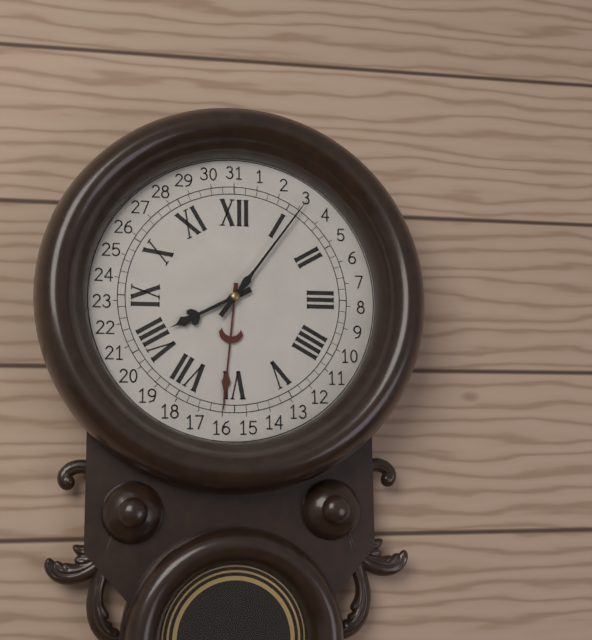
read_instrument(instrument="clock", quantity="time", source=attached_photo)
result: 8:06
